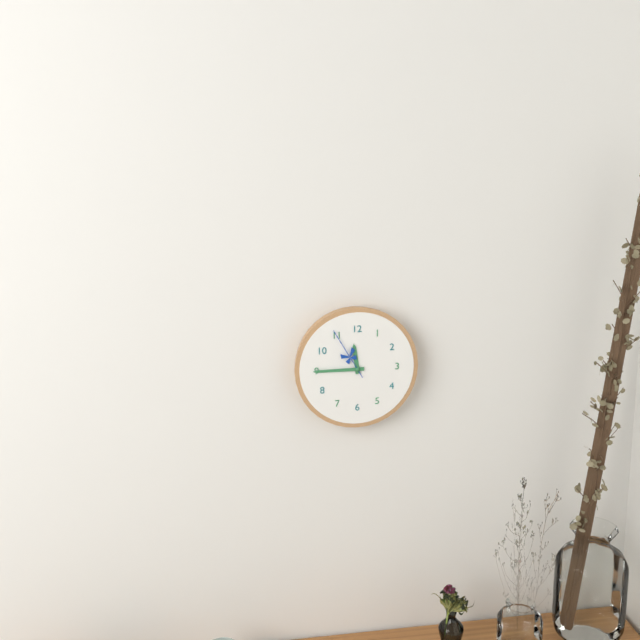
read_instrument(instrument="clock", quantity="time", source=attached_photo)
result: 11:45:55
